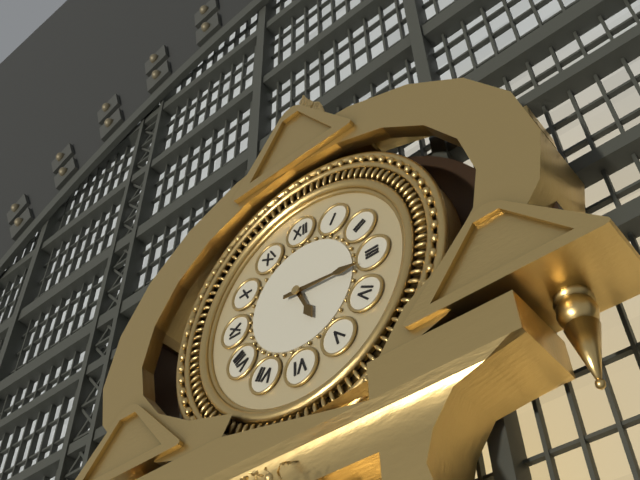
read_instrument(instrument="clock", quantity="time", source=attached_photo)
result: 5:16
